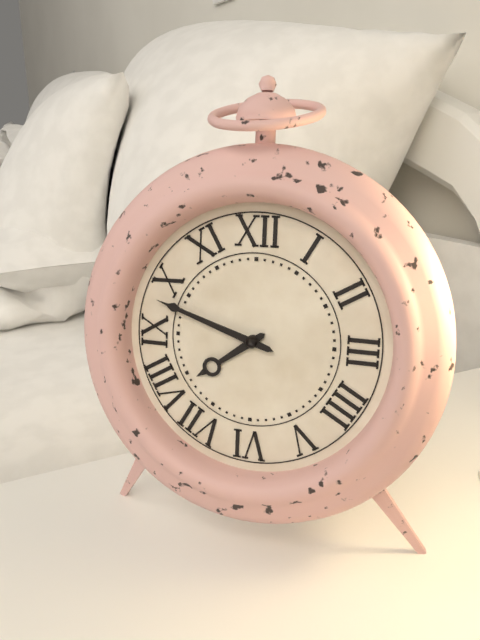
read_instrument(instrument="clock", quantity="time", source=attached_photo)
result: 7:48
